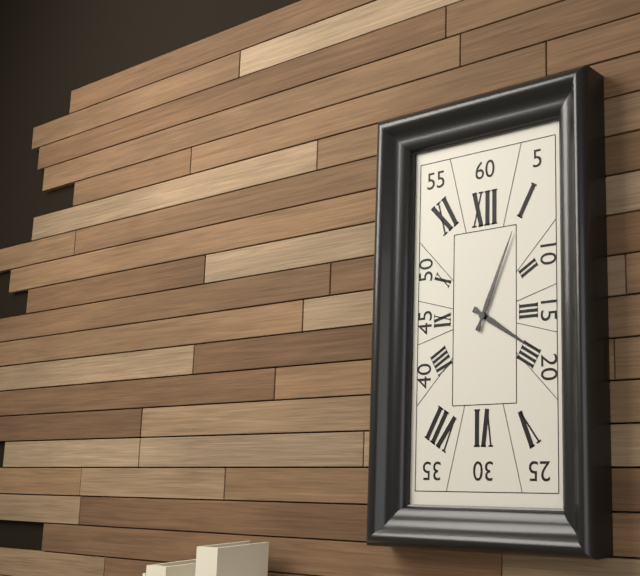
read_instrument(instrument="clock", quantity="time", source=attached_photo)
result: 4:04
